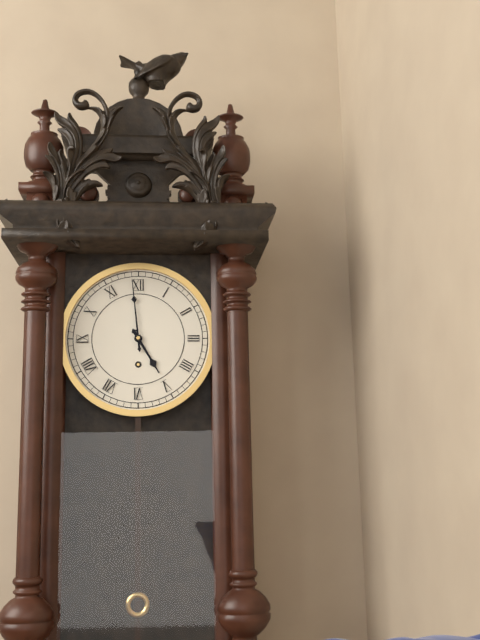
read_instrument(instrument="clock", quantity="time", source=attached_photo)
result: 4:59
